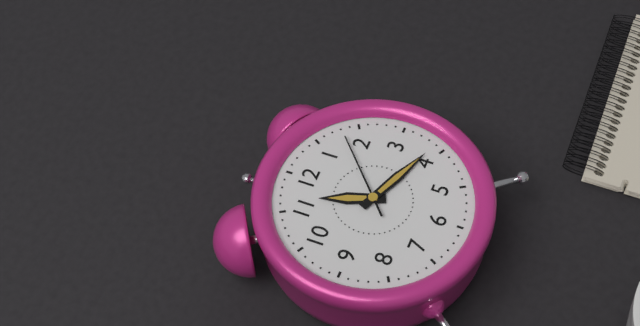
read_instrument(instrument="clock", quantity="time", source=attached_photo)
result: 11:19:08
